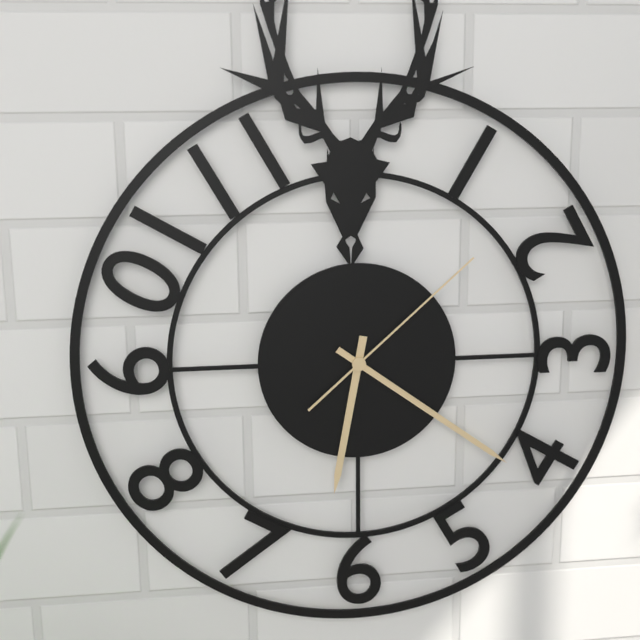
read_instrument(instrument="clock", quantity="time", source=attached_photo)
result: 6:21:08
